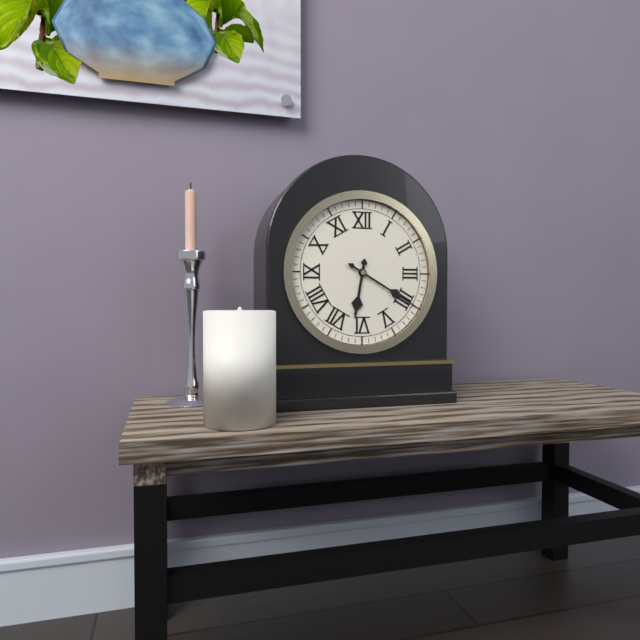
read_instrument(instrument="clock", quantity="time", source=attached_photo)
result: 6:20
